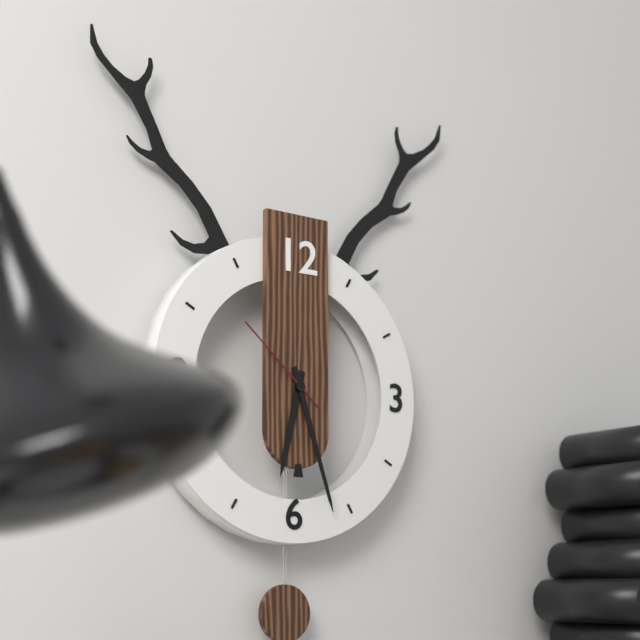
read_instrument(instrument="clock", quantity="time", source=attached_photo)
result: 6:27:52
